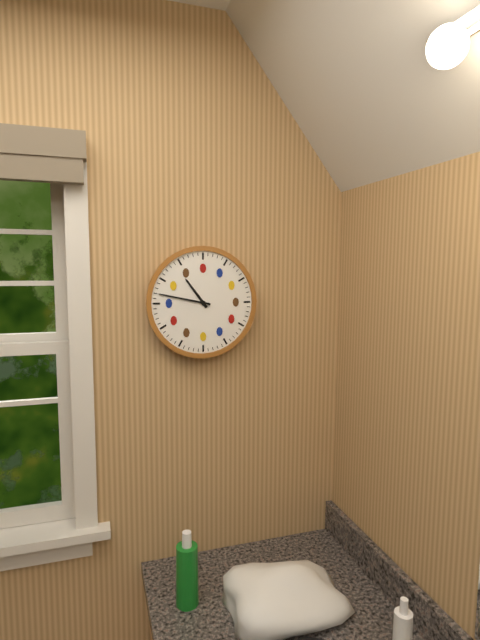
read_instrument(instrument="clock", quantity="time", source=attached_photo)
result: 10:47
